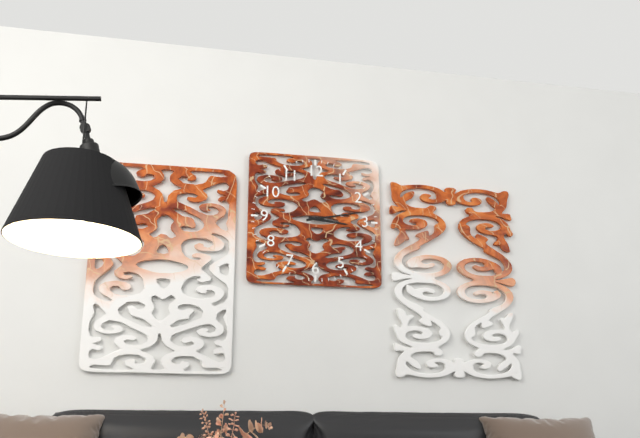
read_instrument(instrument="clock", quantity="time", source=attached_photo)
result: 3:13
